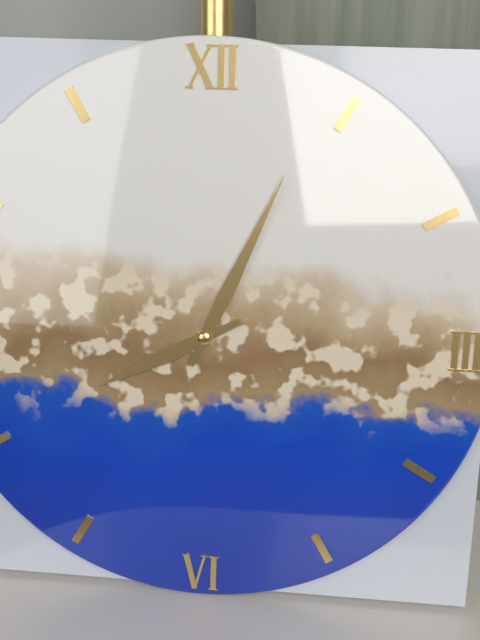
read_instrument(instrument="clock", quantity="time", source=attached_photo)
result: 8:04
